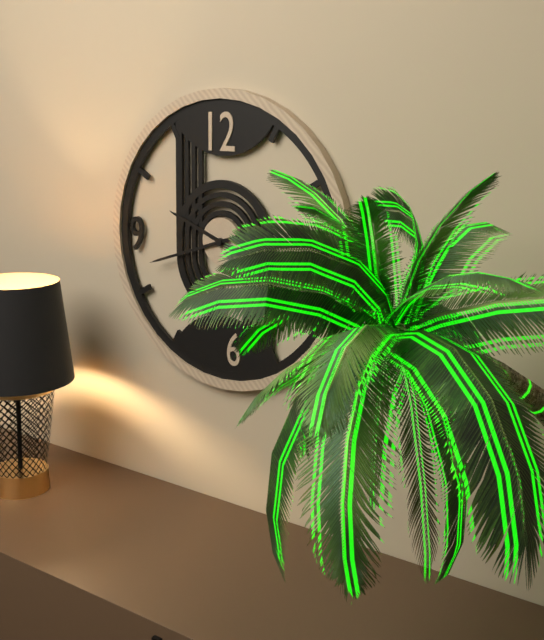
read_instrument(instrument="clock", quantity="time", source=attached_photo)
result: 9:42
